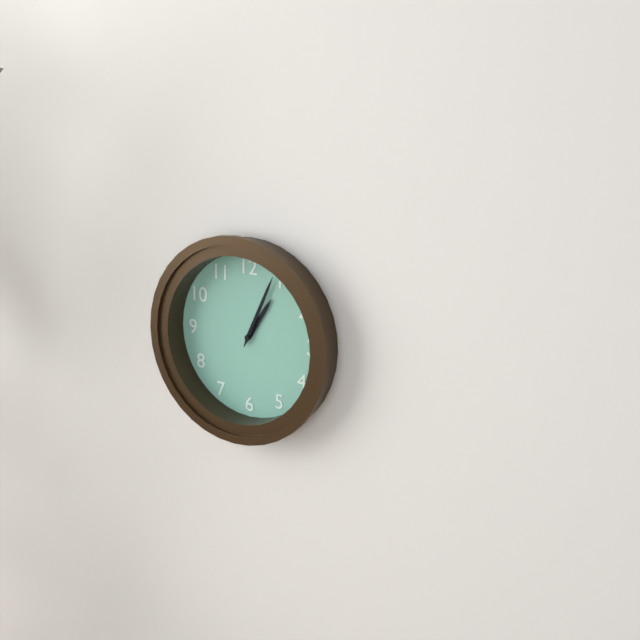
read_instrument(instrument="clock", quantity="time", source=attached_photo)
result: 1:04
